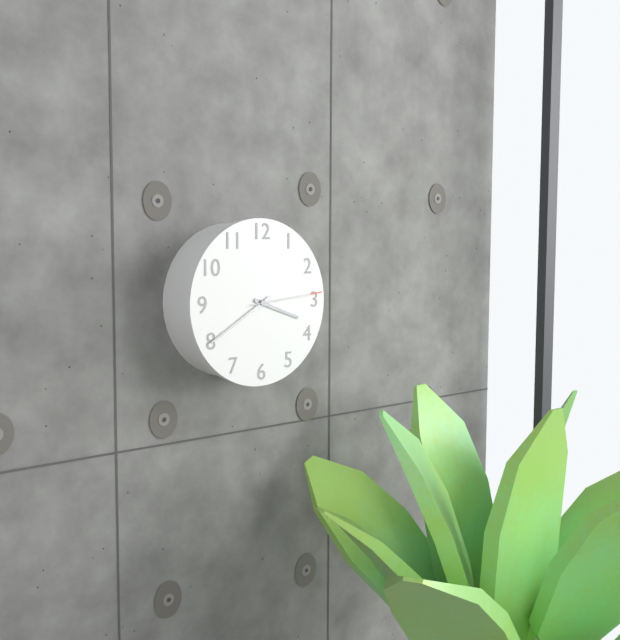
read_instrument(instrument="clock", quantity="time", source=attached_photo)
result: 3:40:14
